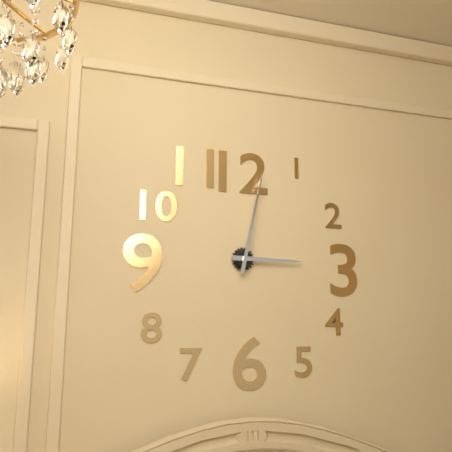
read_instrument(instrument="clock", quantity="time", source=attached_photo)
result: 3:02
